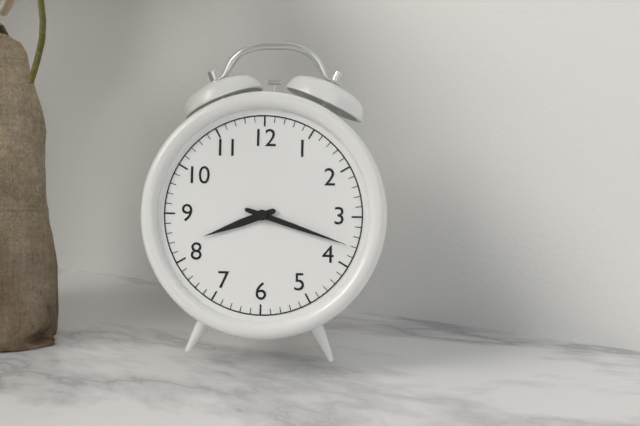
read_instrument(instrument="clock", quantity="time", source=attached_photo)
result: 8:18
